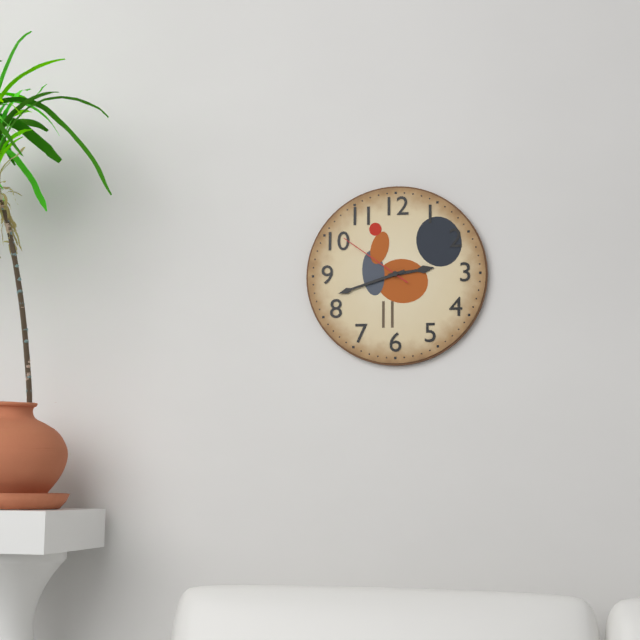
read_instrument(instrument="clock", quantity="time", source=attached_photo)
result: 2:42:51
